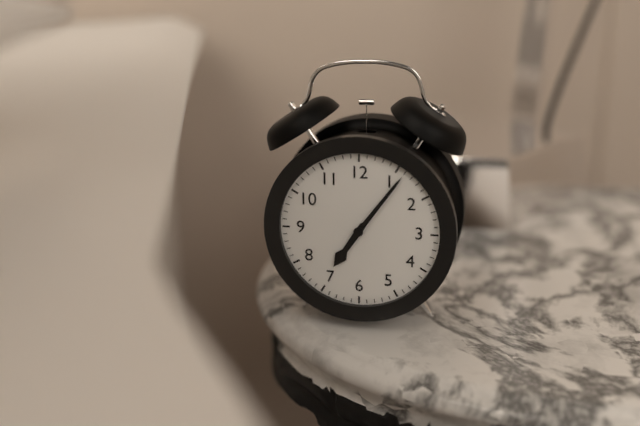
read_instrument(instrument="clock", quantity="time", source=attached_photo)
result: 7:06
